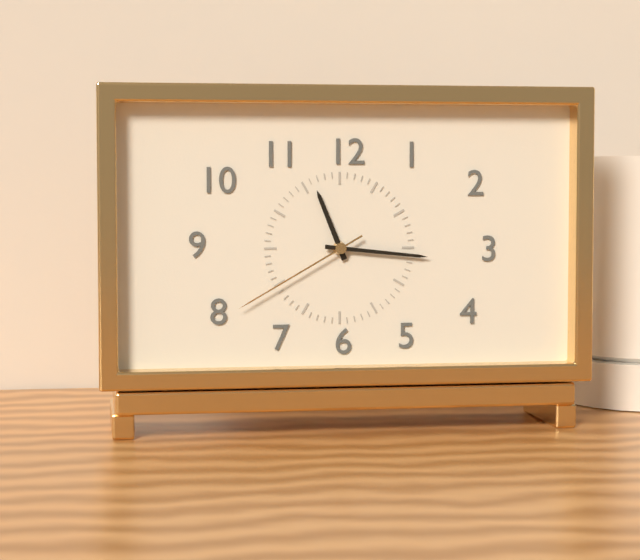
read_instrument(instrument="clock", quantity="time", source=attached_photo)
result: 11:16:40
